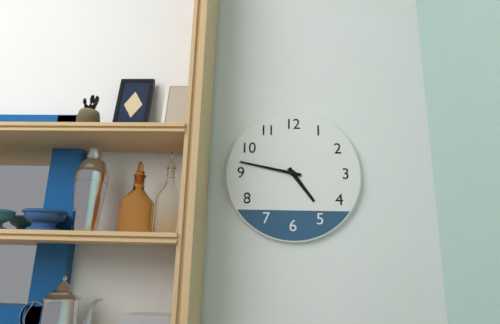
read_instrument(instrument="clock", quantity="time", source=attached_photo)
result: 4:47
